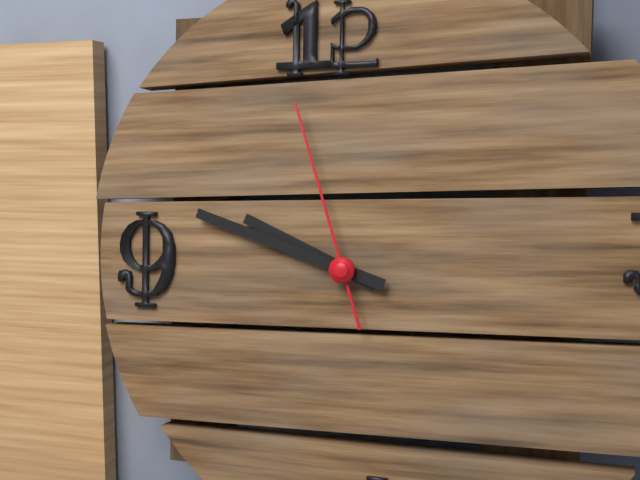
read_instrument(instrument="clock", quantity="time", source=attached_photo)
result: 9:48:57
